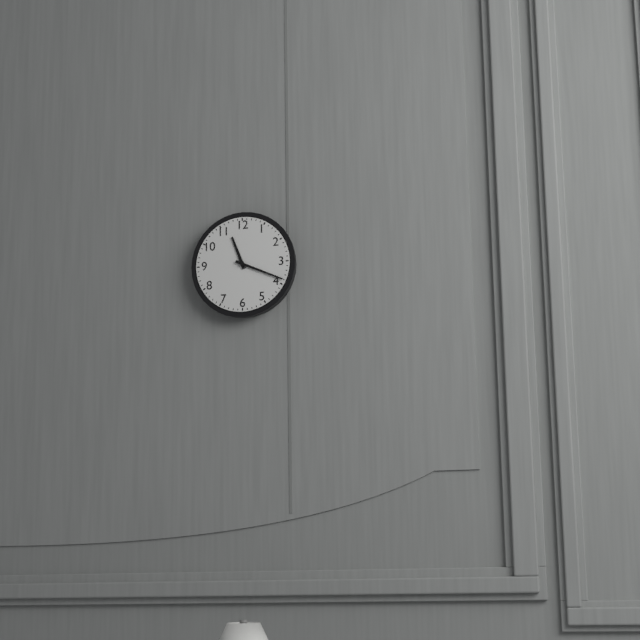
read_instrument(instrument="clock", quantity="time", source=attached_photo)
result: 11:19
